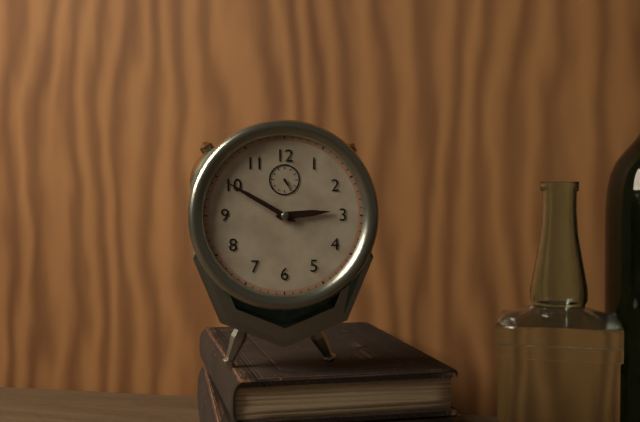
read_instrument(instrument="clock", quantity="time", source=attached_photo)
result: 2:50
